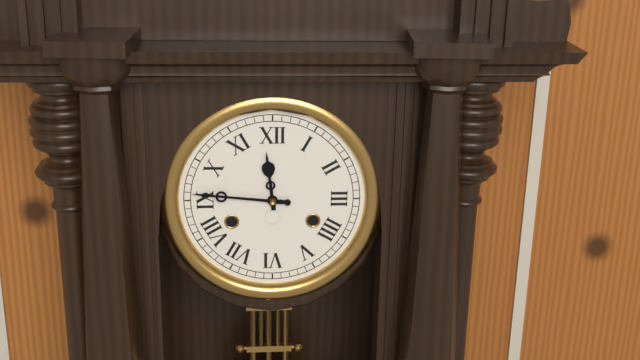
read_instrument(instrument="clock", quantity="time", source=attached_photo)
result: 11:46
